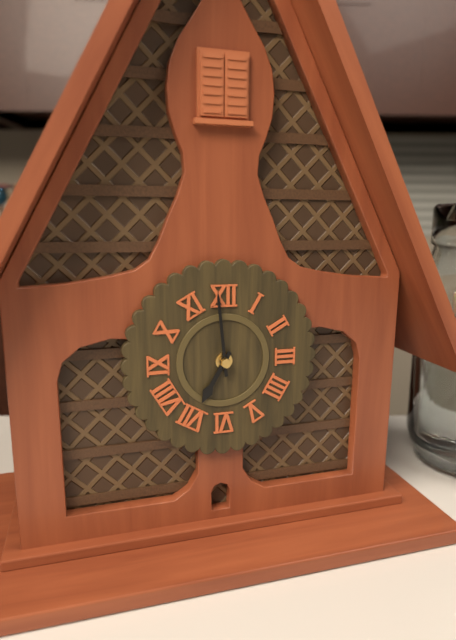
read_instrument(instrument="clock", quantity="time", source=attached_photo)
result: 6:59
